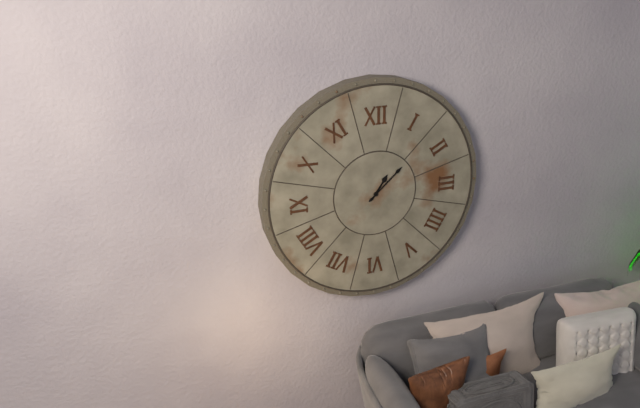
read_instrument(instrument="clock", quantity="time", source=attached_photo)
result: 1:08
